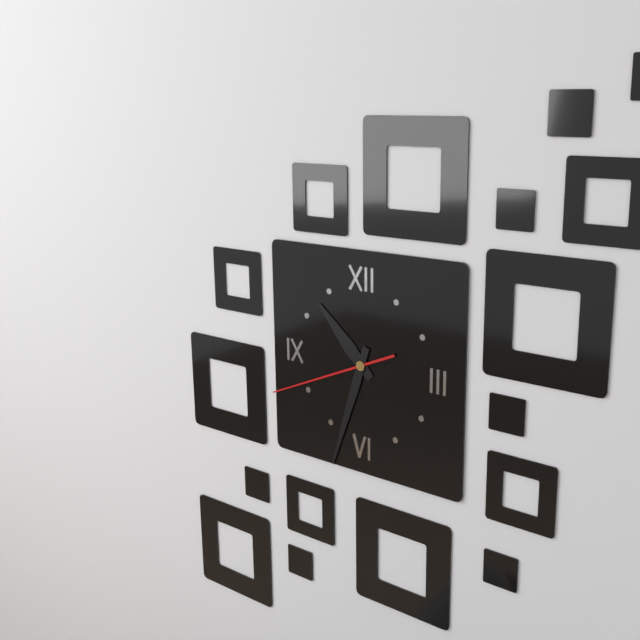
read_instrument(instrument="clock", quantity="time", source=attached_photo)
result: 10:33:41
